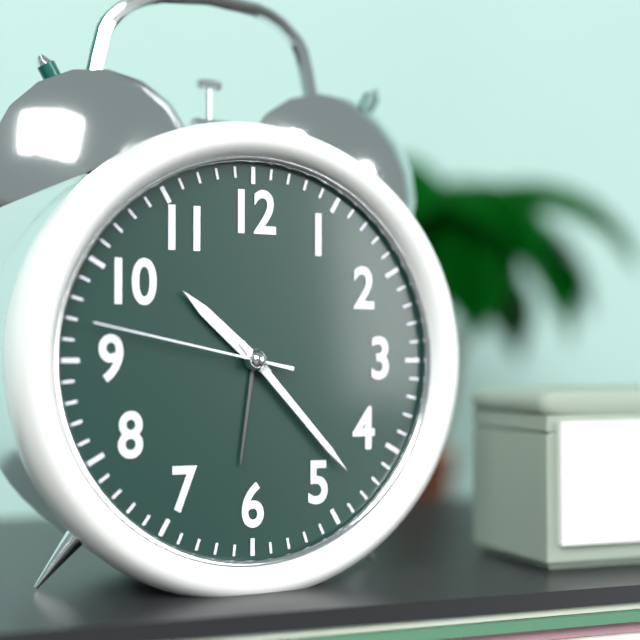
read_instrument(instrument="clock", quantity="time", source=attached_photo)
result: 10:23:47
